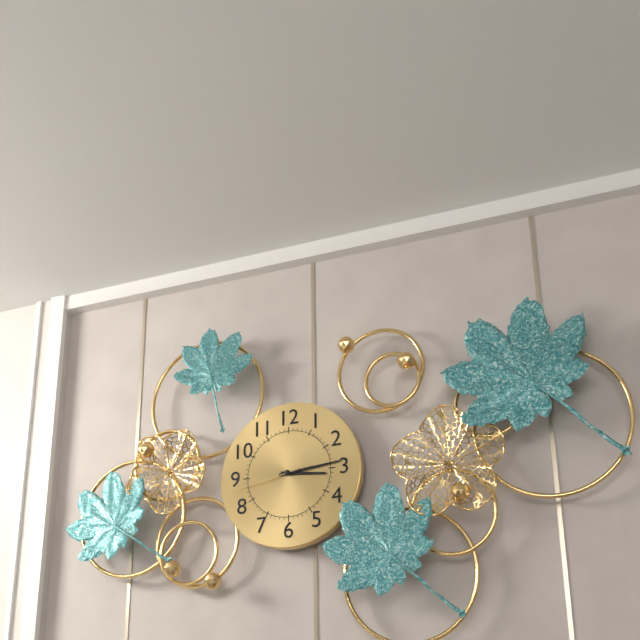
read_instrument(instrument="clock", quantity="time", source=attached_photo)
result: 3:14:43
